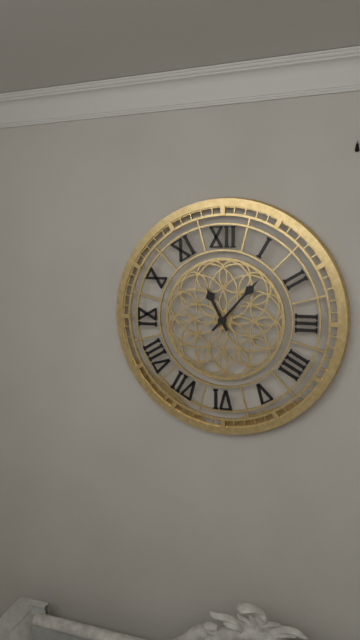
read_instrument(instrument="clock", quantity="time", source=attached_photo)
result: 11:07
